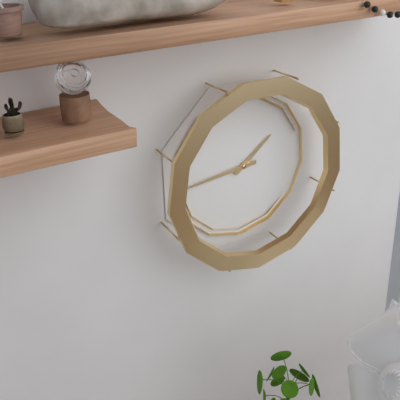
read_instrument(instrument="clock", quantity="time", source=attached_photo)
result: 1:44
